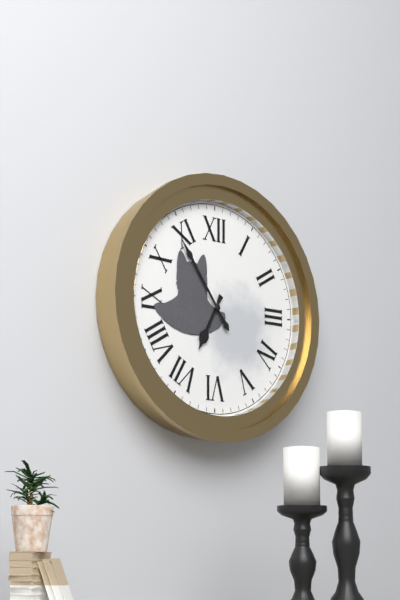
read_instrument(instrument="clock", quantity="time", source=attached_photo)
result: 6:54
